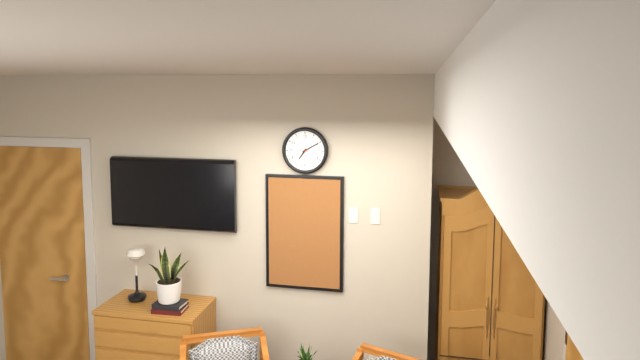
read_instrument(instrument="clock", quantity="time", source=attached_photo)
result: 7:10
